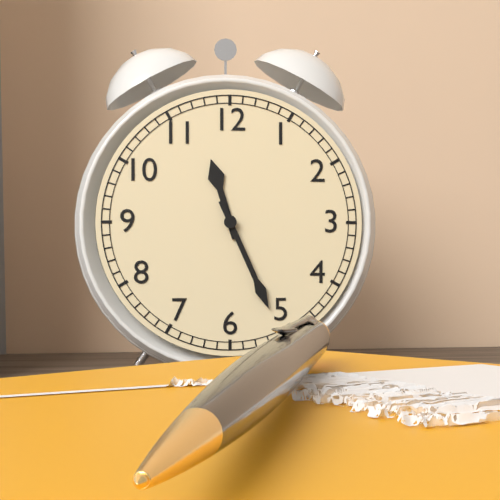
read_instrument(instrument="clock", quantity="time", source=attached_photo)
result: 11:26
